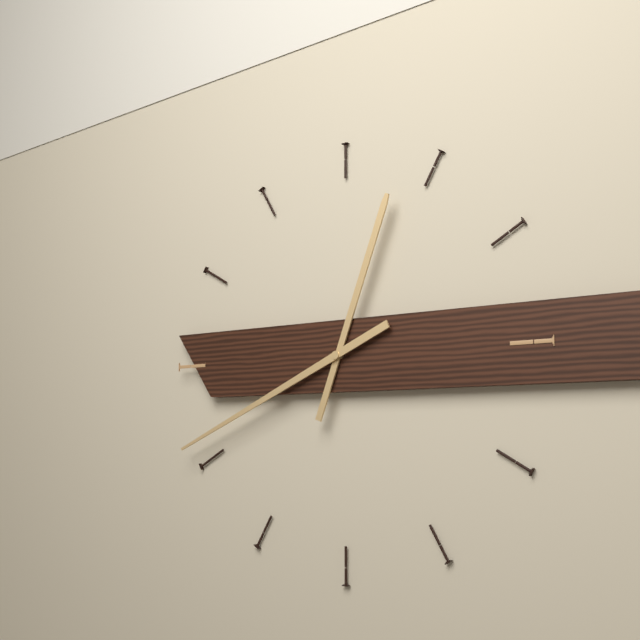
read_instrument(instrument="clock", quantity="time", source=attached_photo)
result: 12:41
